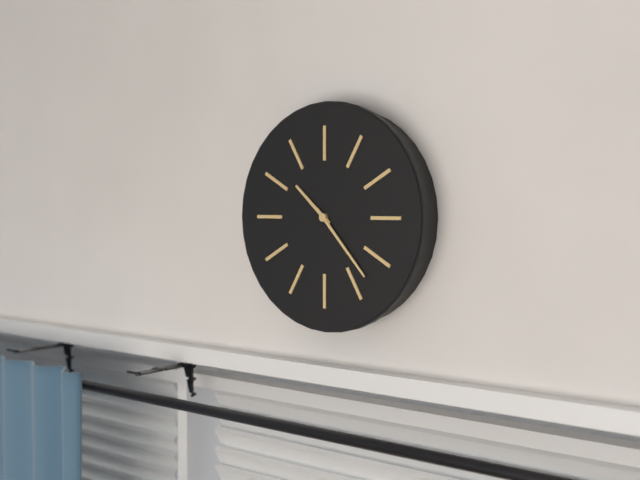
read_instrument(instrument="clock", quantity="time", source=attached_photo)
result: 10:23
